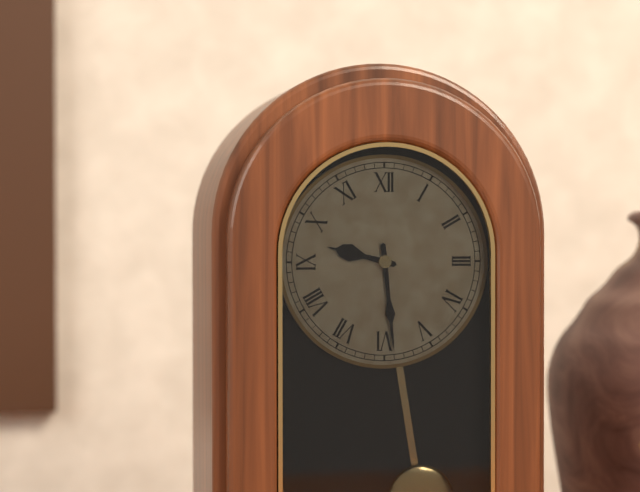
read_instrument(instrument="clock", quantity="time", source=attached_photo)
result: 9:29
